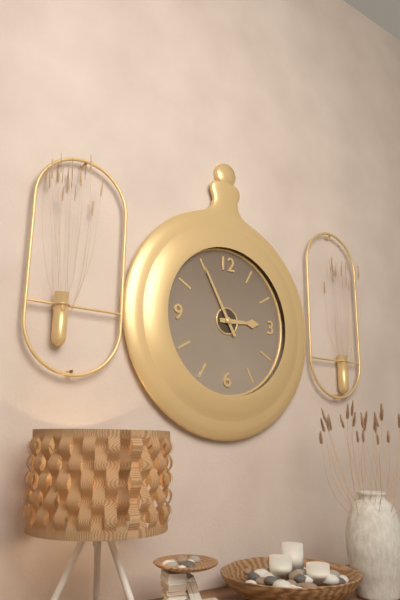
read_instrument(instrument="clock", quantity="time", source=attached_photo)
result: 2:55
